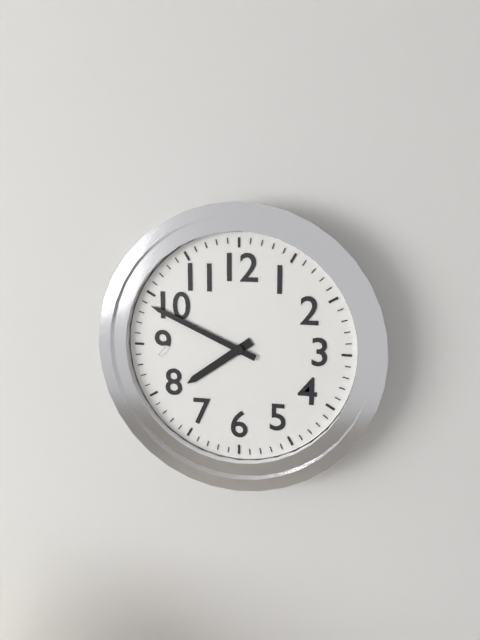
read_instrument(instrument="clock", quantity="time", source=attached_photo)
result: 7:49
